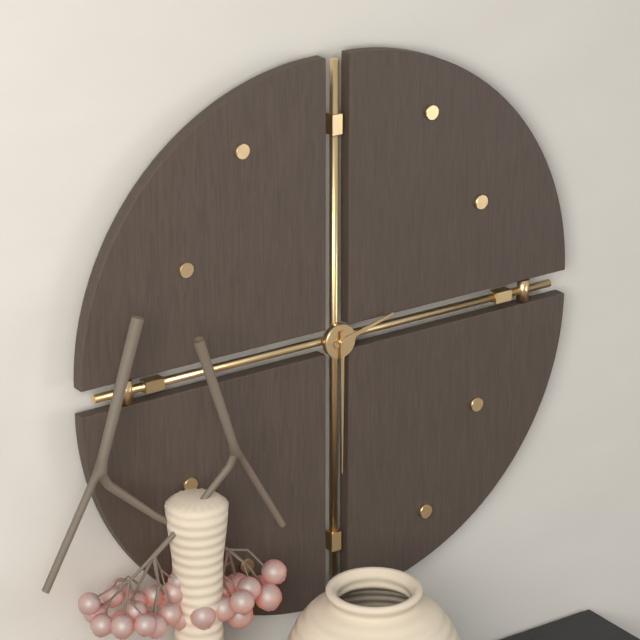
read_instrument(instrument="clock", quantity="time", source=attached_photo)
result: 2:30
